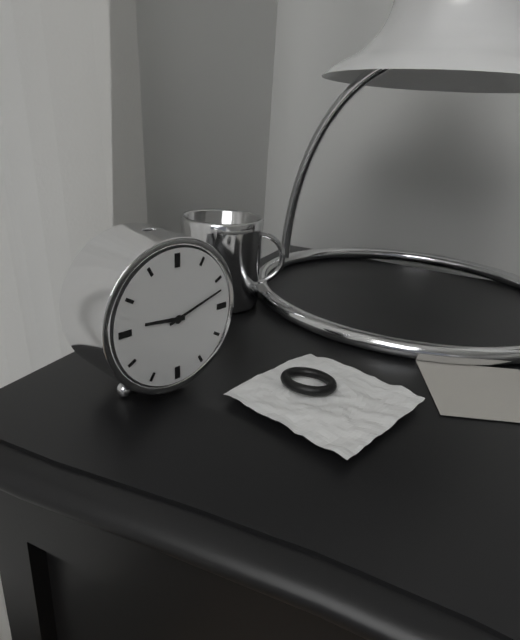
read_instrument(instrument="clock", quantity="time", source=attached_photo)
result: 9:12
